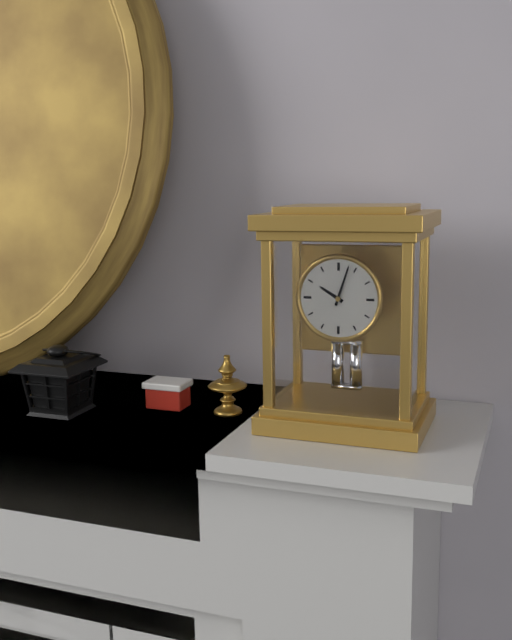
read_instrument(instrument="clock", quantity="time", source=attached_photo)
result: 10:03
